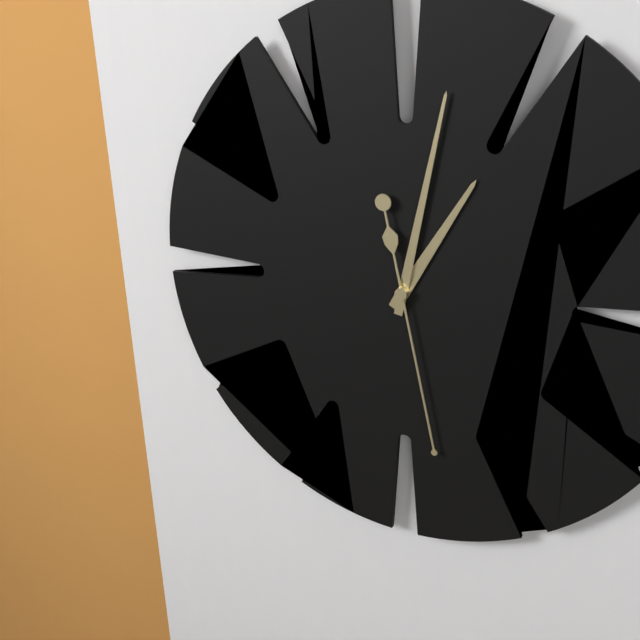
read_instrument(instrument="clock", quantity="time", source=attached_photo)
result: 1:02:28
